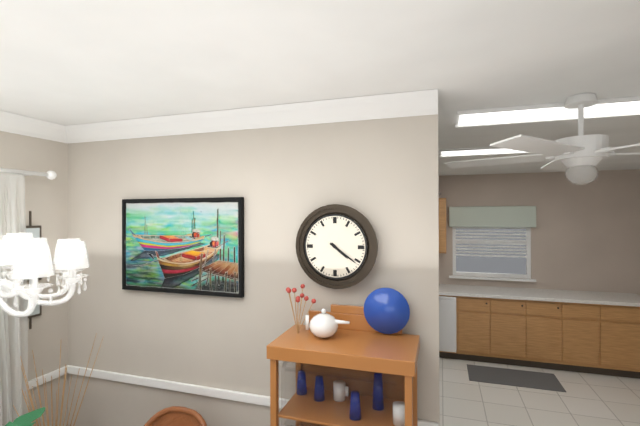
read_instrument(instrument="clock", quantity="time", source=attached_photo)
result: 4:21
